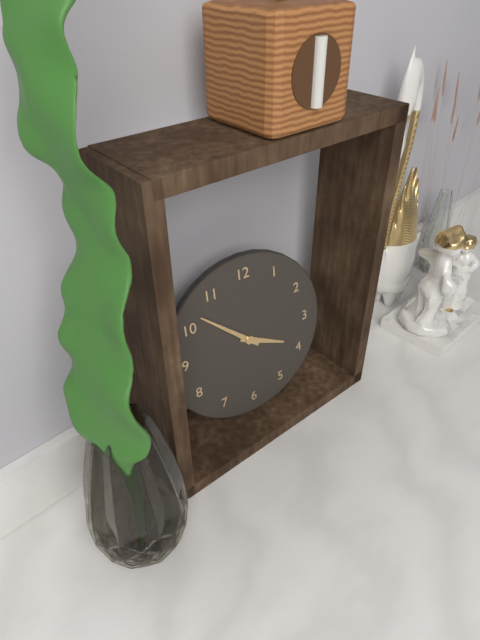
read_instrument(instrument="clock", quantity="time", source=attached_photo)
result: 3:52
